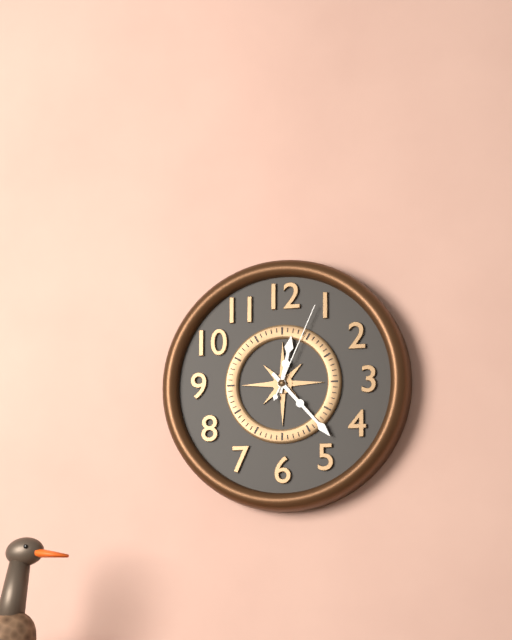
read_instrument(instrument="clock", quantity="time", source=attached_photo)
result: 12:23:04
